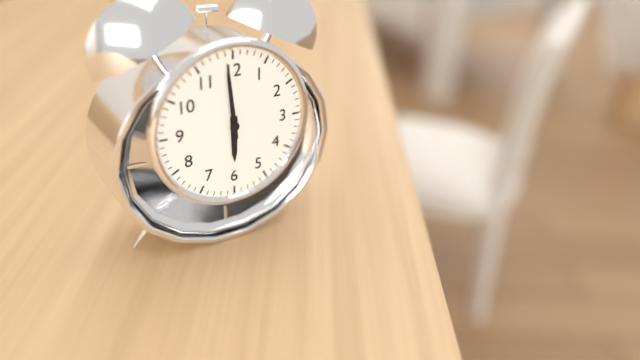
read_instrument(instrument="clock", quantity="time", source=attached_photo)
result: 5:59
